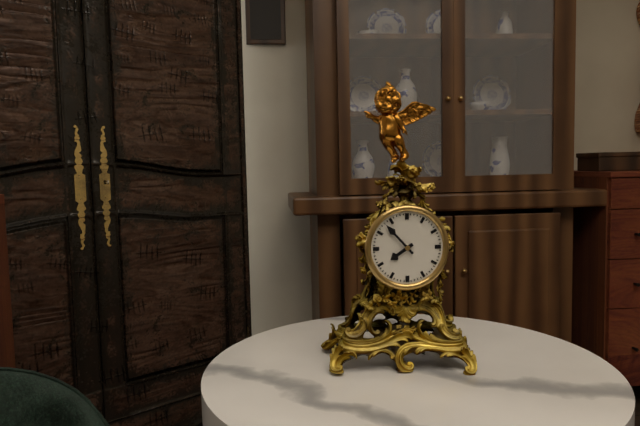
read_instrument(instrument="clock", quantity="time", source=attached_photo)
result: 7:53
